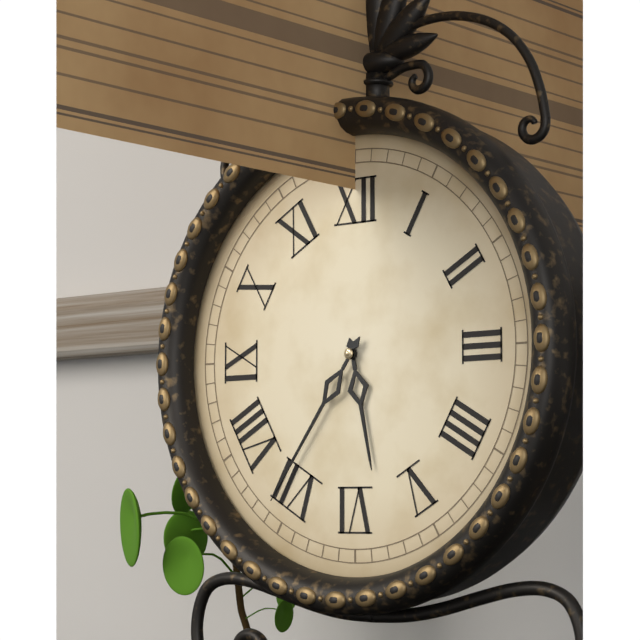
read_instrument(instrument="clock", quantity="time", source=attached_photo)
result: 5:36
